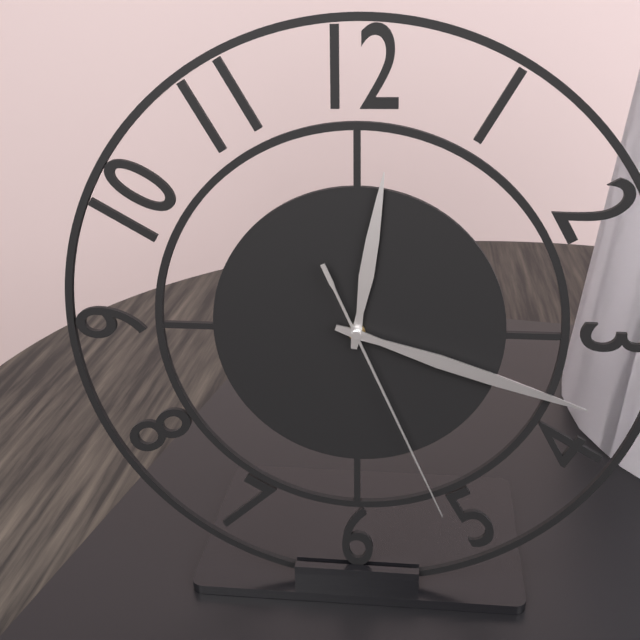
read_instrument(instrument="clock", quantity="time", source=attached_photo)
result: 12:18:26
